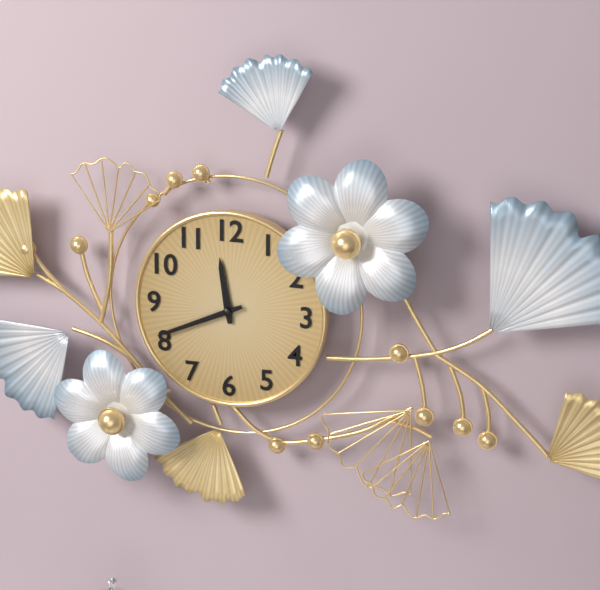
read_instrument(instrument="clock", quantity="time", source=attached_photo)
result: 11:41
